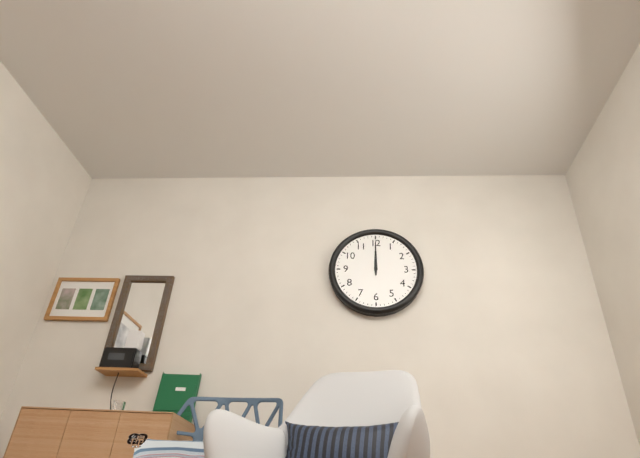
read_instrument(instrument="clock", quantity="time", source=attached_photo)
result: 12:00
